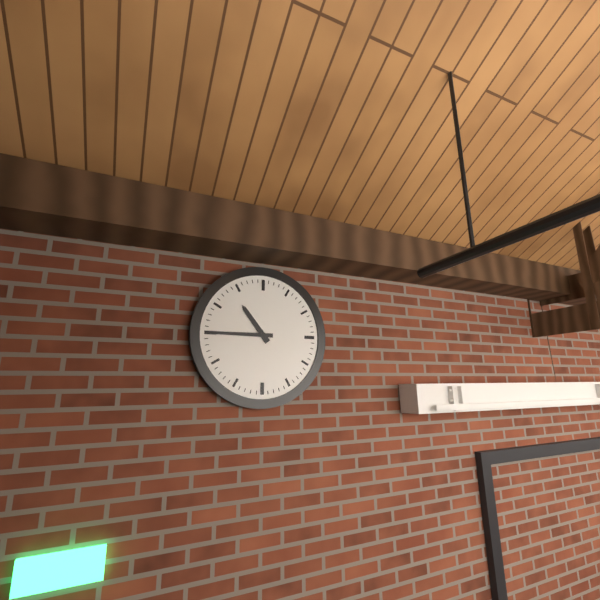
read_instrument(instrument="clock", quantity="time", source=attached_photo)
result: 10:45
